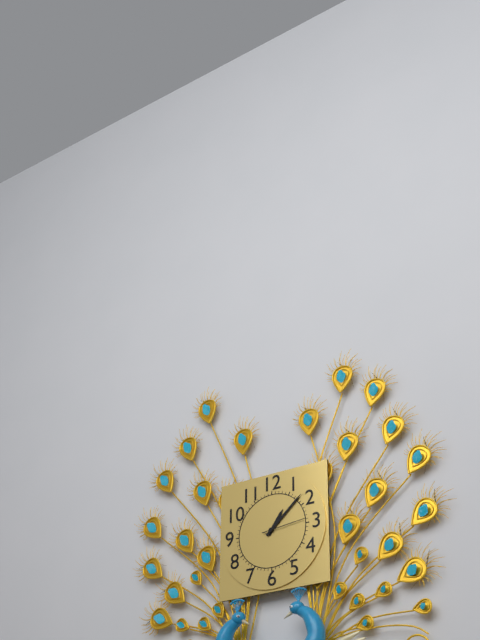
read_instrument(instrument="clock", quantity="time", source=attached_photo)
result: 1:08
